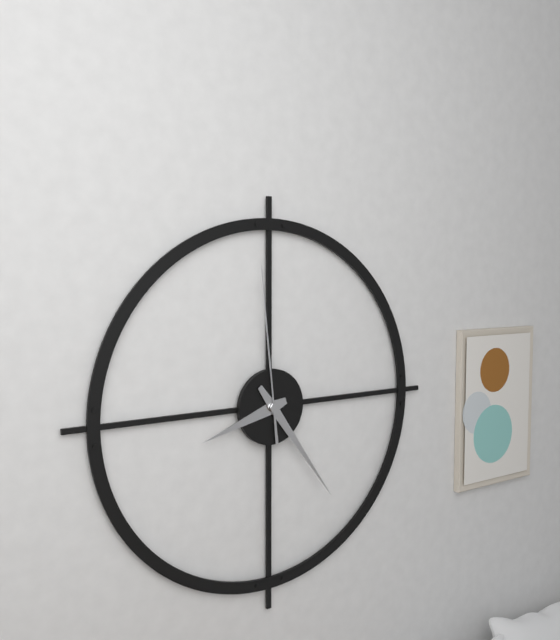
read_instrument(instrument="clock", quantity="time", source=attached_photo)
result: 8:24:59
